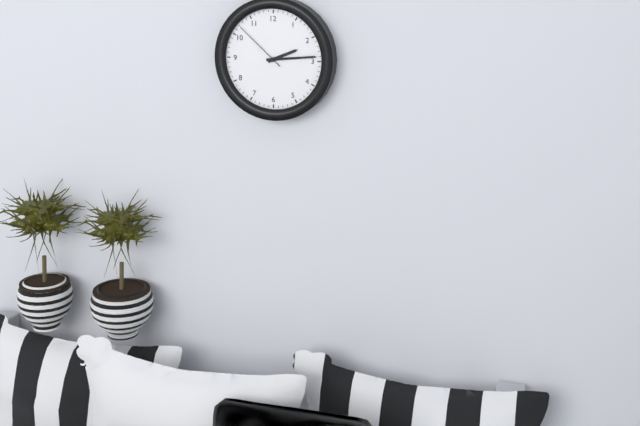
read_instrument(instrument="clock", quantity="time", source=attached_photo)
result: 2:14:52
